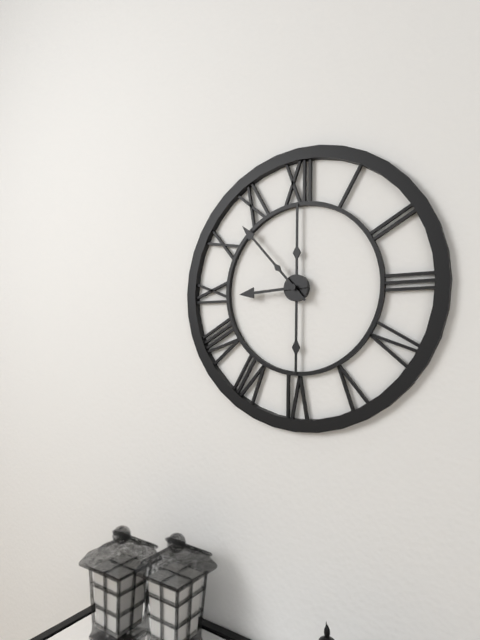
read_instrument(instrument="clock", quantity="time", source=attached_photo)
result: 8:53
